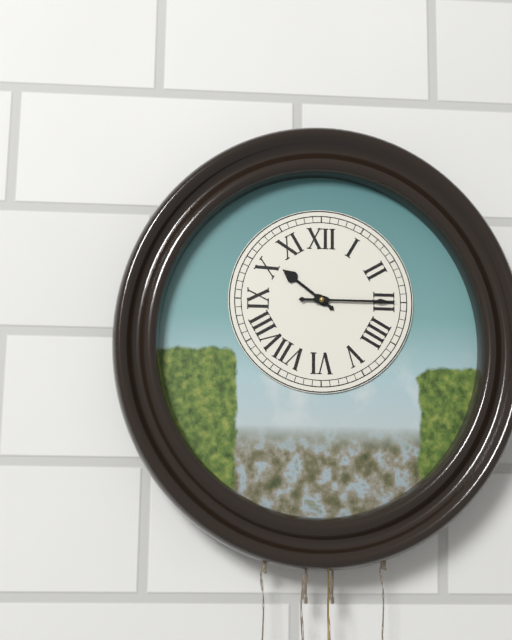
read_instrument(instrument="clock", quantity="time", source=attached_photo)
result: 10:15
